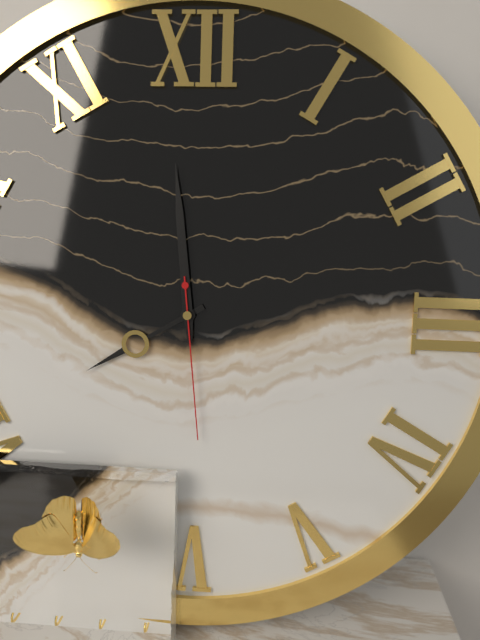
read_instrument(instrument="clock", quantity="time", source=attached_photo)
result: 7:59:29
